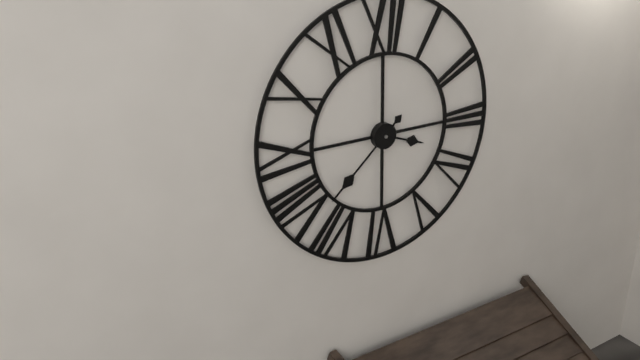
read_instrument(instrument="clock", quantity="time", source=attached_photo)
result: 3:38
